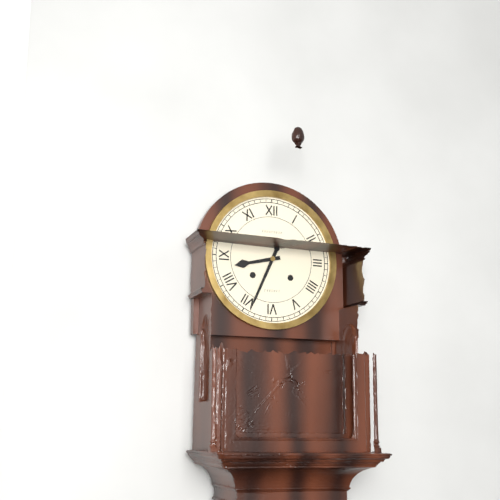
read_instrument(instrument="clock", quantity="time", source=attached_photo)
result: 8:34
